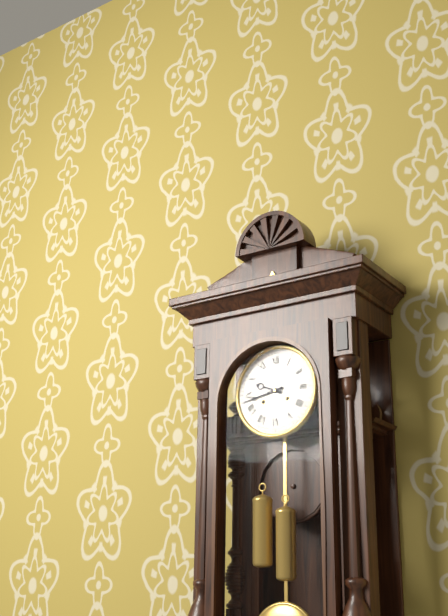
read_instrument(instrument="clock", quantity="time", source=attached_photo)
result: 9:43
